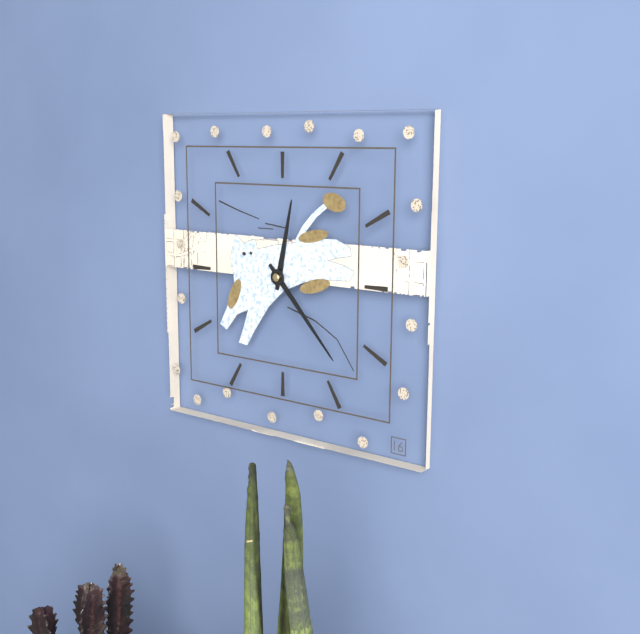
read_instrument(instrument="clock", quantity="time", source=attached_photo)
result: 12:23
